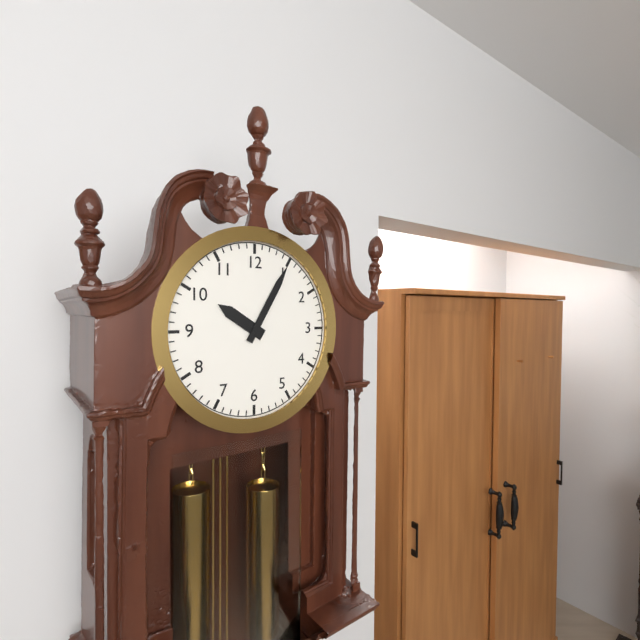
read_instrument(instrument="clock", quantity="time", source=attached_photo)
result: 10:05
